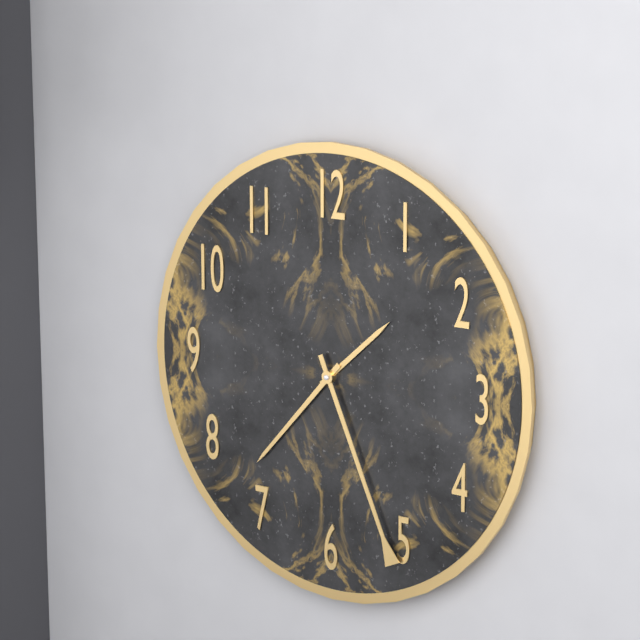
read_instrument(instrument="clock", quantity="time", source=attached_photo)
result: 1:37:26
